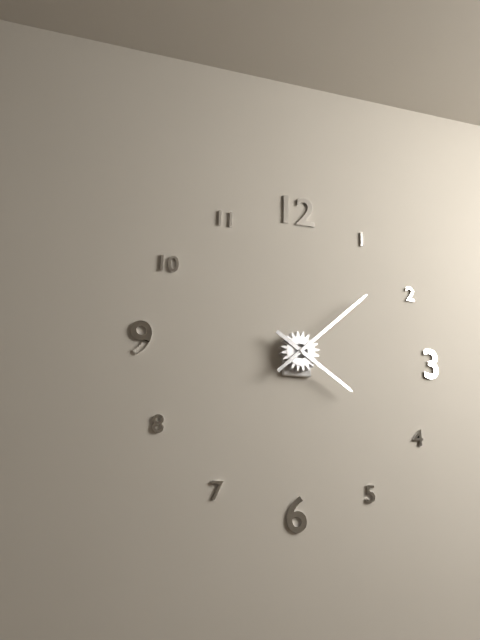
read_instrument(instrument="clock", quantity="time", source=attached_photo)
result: 4:08
